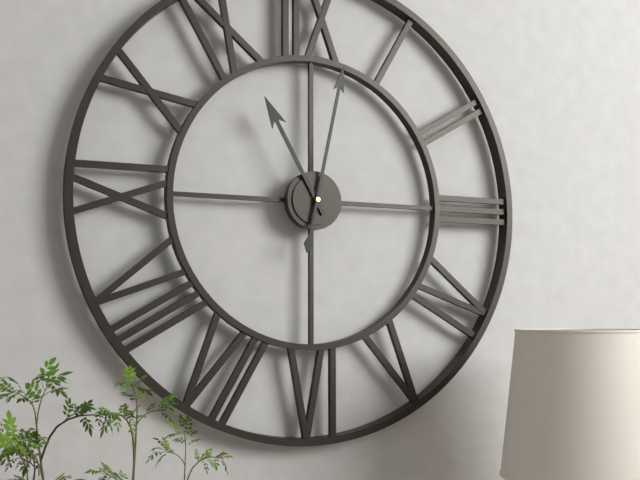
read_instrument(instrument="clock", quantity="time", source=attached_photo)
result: 11:02
